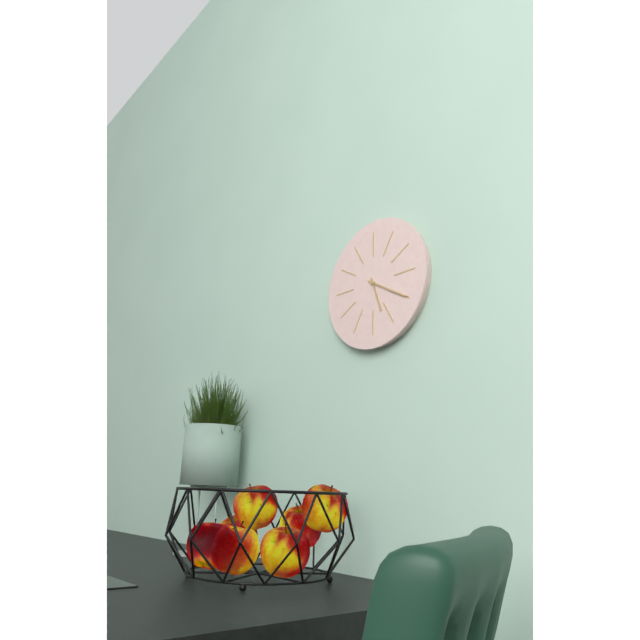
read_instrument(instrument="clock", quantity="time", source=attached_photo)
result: 5:20
